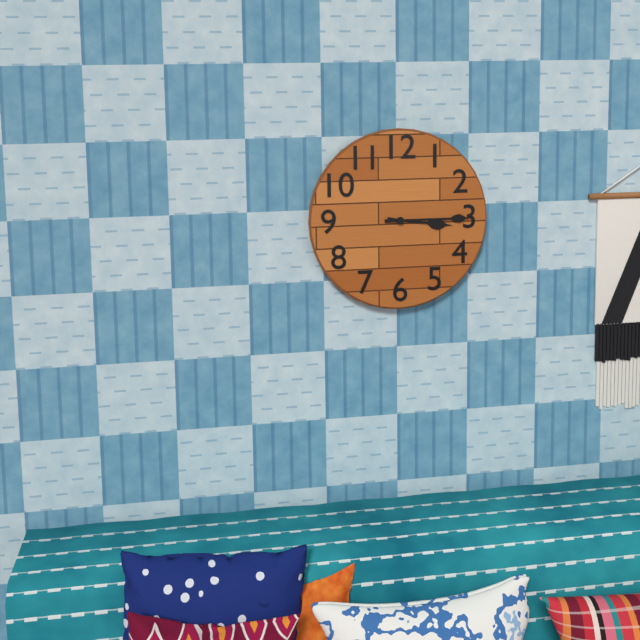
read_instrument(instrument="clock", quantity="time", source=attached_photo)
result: 3:15
